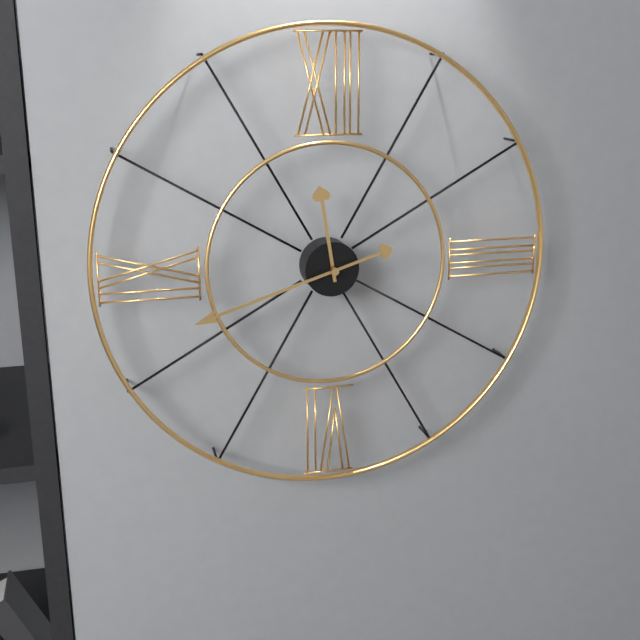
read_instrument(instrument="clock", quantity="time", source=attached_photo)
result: 11:42
